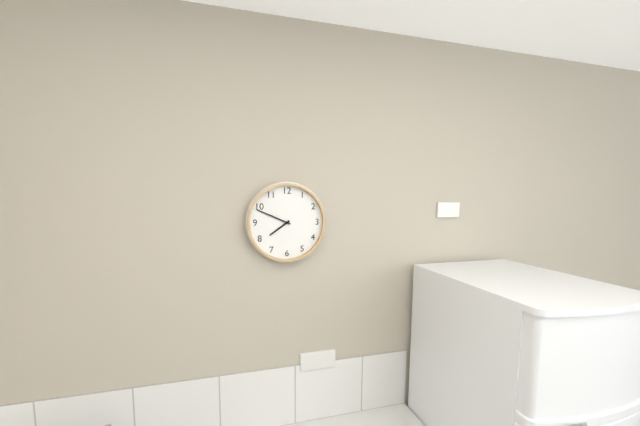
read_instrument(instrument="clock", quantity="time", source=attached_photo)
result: 7:49
